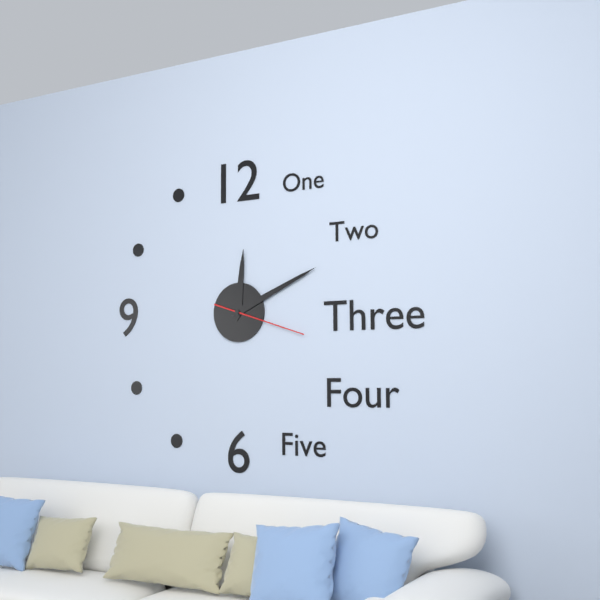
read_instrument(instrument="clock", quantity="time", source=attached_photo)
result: 12:11:18
